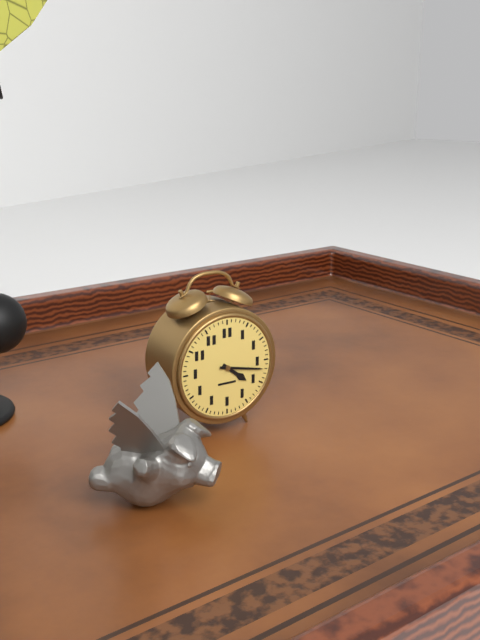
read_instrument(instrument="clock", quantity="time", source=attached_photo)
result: 4:17
